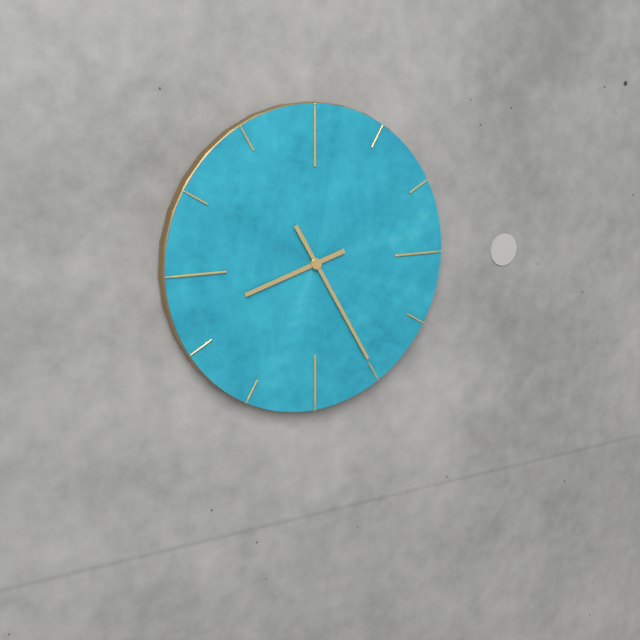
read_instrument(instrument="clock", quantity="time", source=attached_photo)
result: 8:25
